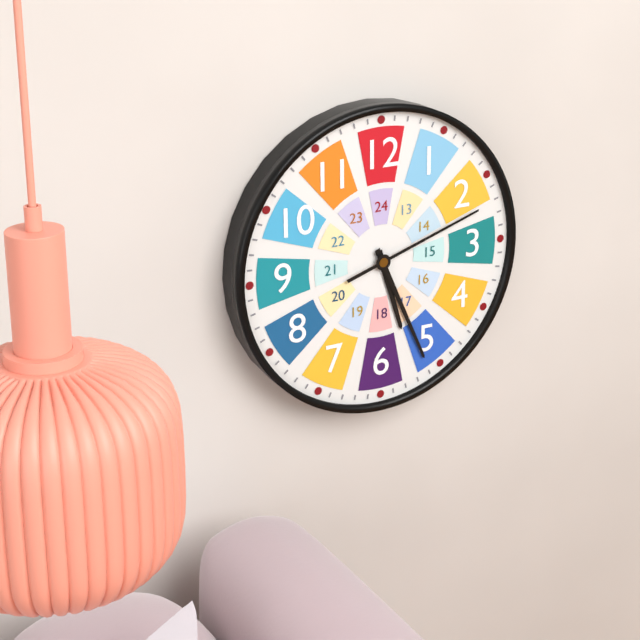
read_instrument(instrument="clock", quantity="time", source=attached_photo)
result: 5:26:12
